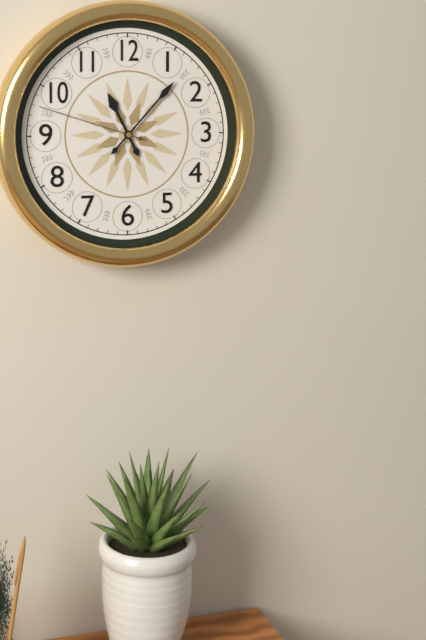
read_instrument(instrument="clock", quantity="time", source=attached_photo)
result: 11:07:48
